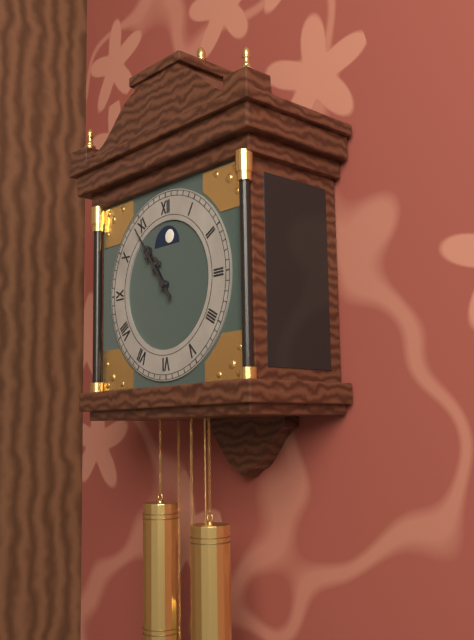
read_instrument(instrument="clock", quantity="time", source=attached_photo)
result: 10:54
